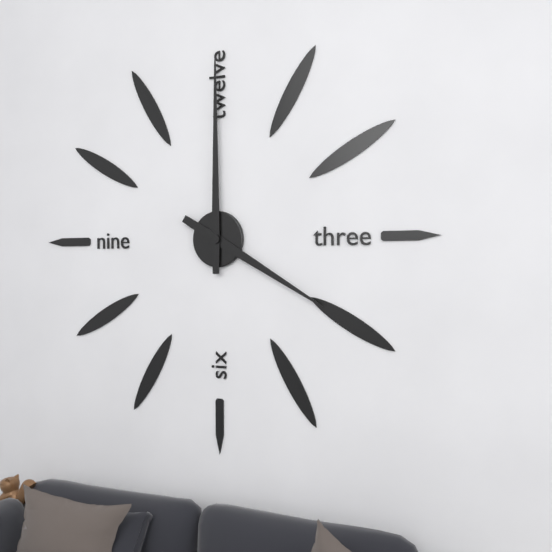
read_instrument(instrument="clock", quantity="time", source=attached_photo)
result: 4:00
